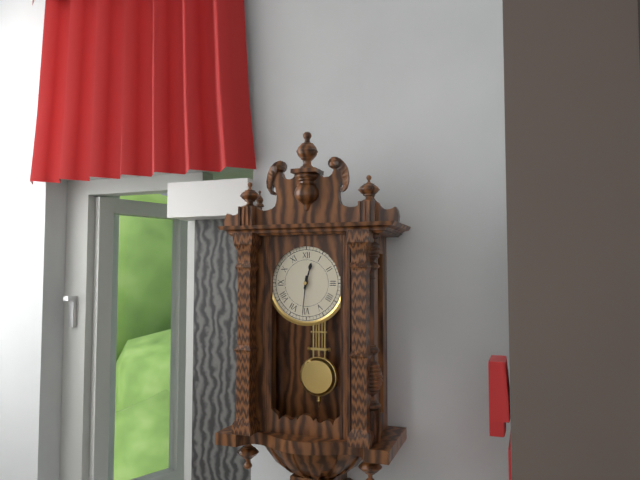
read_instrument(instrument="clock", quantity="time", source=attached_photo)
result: 12:31
